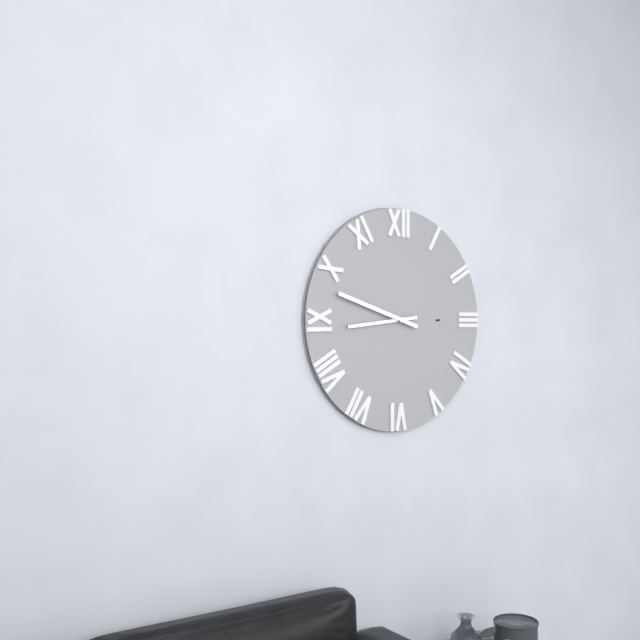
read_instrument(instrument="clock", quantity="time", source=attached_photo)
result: 8:48
